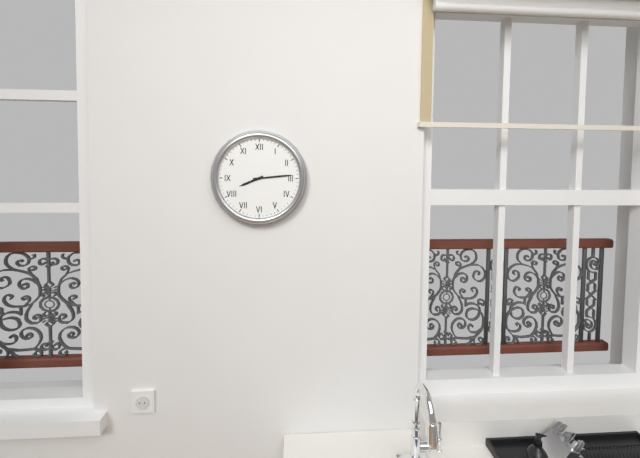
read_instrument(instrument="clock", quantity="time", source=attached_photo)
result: 8:14
